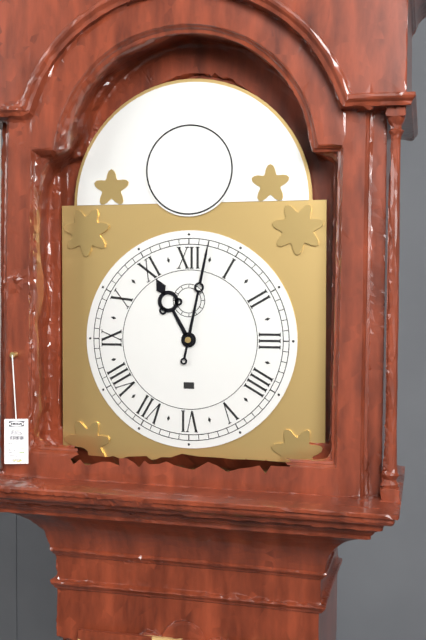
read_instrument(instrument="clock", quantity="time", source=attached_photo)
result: 11:02
